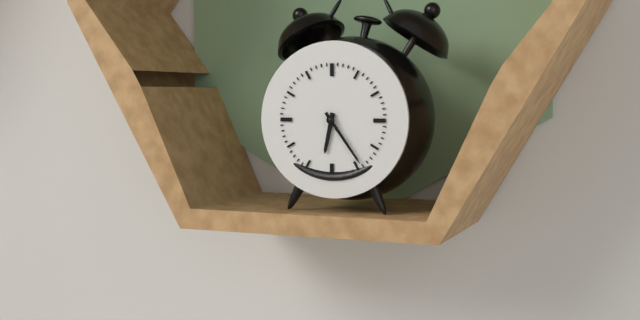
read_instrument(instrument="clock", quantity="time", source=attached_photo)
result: 6:24
